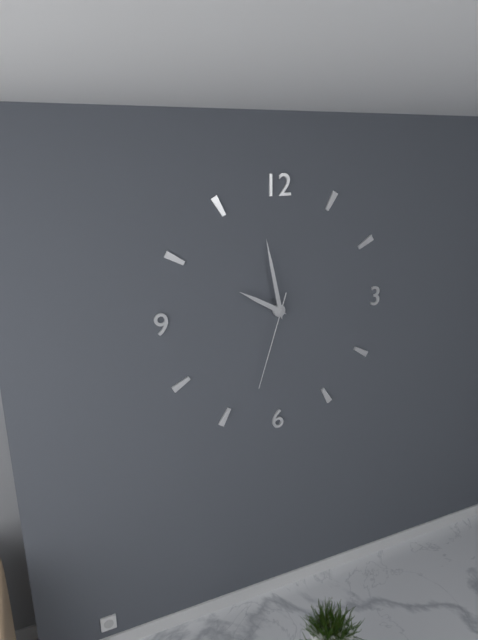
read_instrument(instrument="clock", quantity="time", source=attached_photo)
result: 9:58:33
